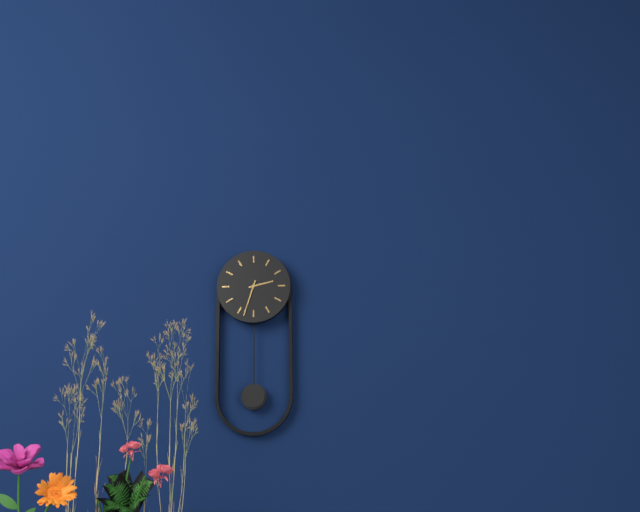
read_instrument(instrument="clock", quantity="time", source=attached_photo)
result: 2:33
